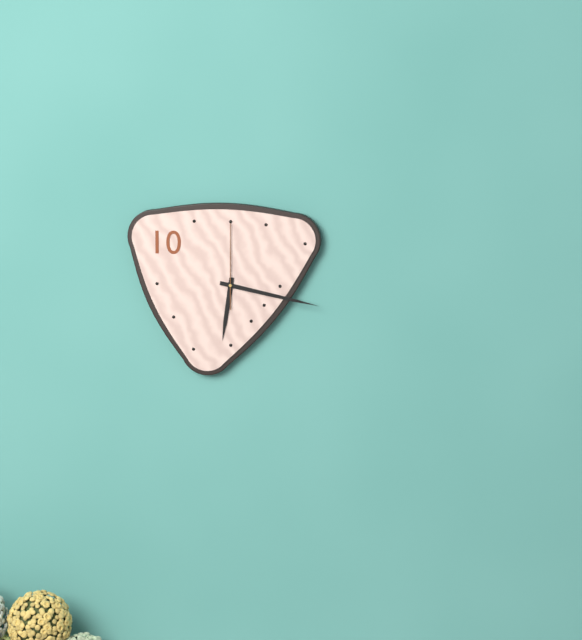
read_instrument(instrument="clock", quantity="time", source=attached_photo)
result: 6:17:00
